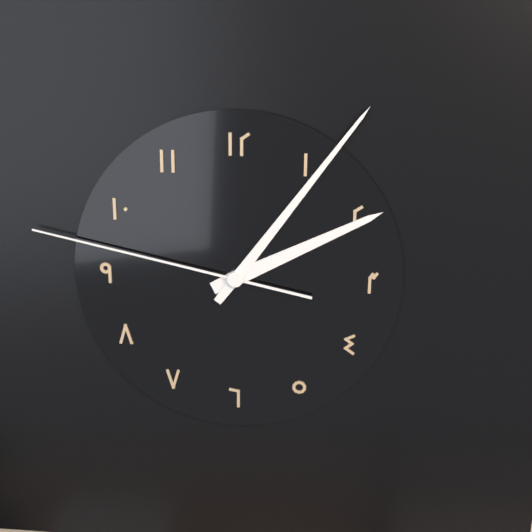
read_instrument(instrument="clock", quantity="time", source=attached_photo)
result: 2:06:47
